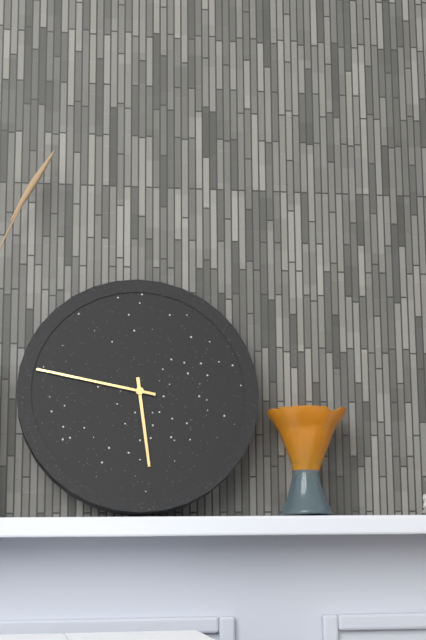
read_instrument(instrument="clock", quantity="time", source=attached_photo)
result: 5:47
